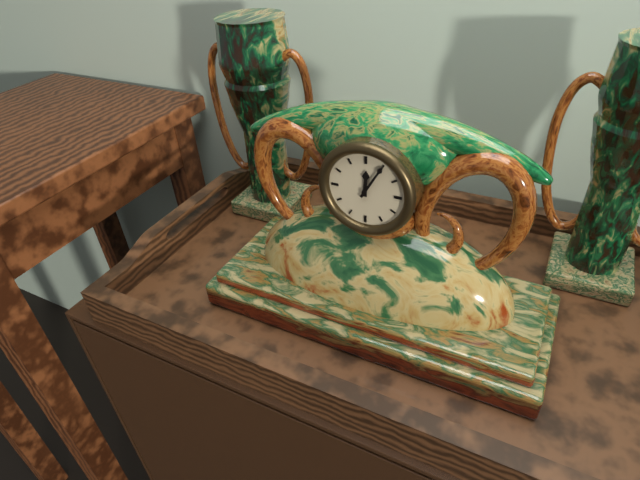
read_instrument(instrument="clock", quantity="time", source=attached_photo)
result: 12:05
